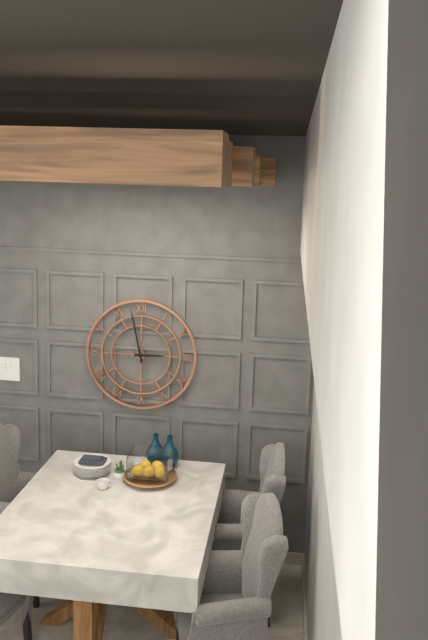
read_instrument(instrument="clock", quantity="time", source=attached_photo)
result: 2:58
